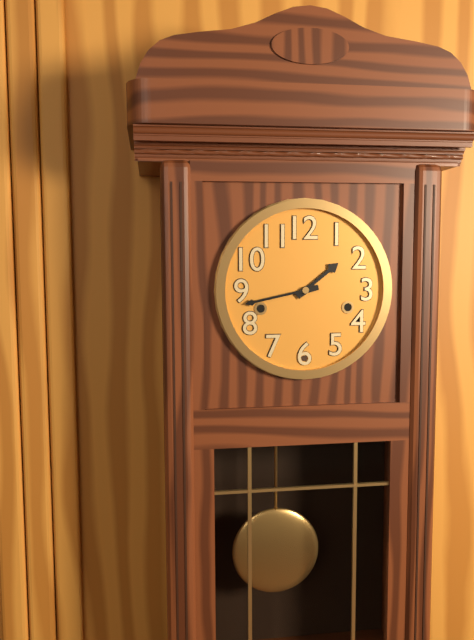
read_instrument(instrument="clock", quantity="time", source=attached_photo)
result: 1:43
